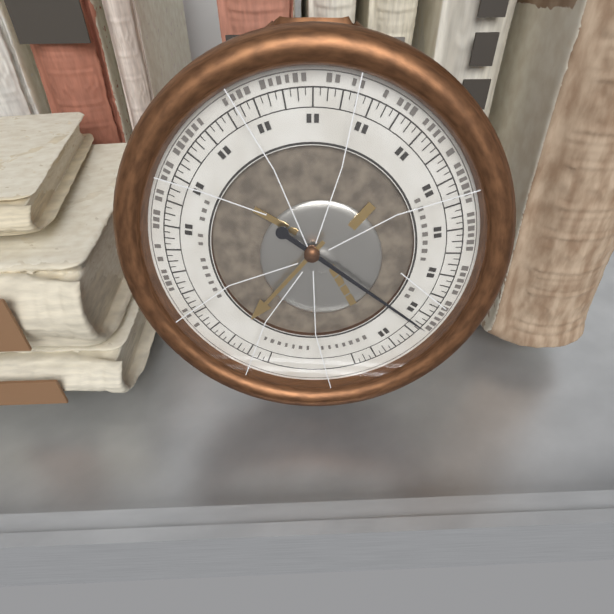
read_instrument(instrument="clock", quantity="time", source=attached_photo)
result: 7:21
